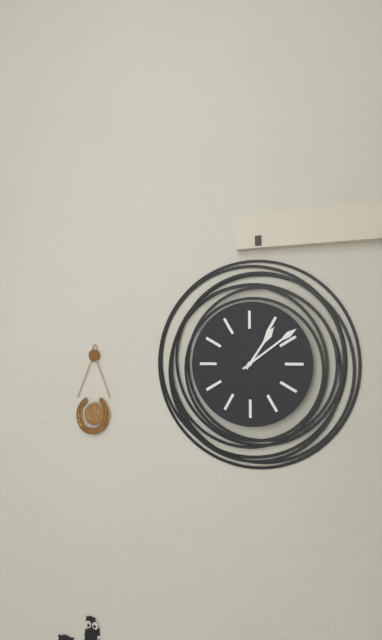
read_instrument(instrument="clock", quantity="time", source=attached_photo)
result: 1:09
